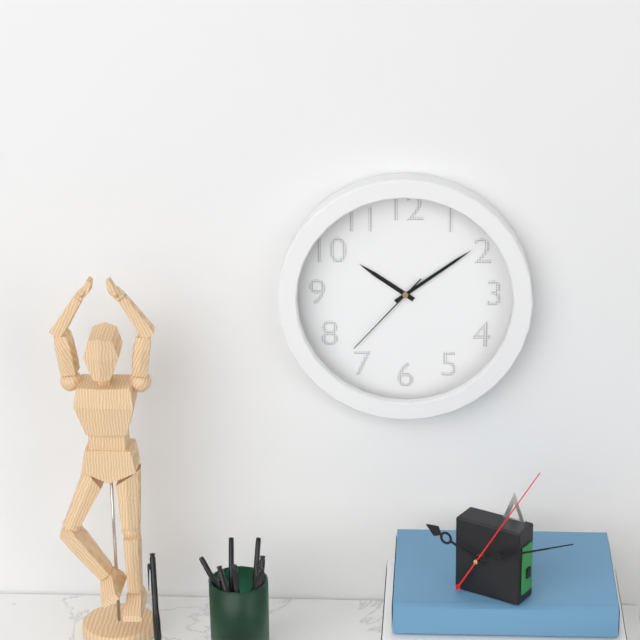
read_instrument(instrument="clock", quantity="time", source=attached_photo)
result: 10:09:37
